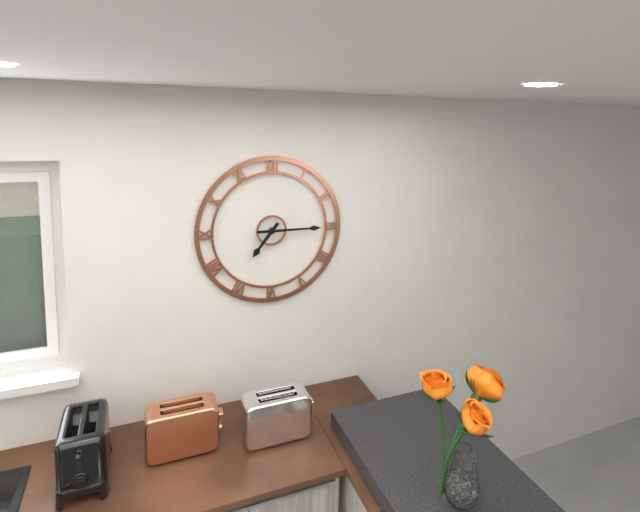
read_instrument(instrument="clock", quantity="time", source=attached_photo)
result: 7:15
